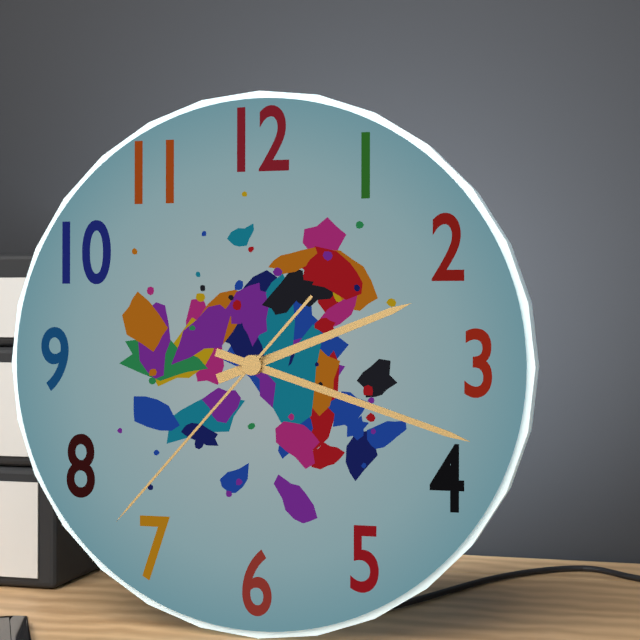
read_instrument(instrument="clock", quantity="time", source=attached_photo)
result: 2:18:37
